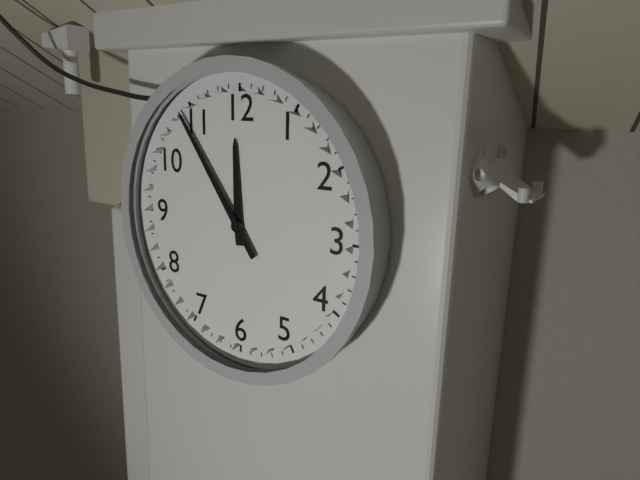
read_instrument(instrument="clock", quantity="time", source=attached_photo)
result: 11:54
